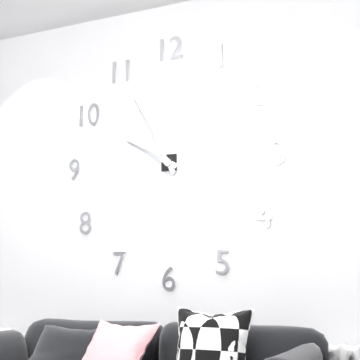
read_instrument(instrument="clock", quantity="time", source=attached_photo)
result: 9:55
